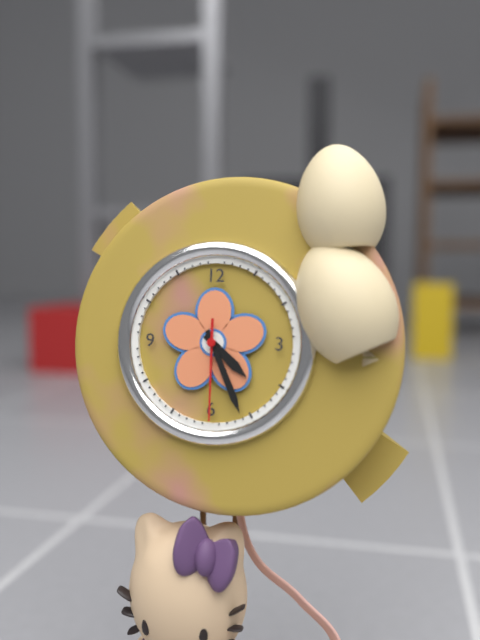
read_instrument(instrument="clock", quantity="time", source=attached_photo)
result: 4:26:30
